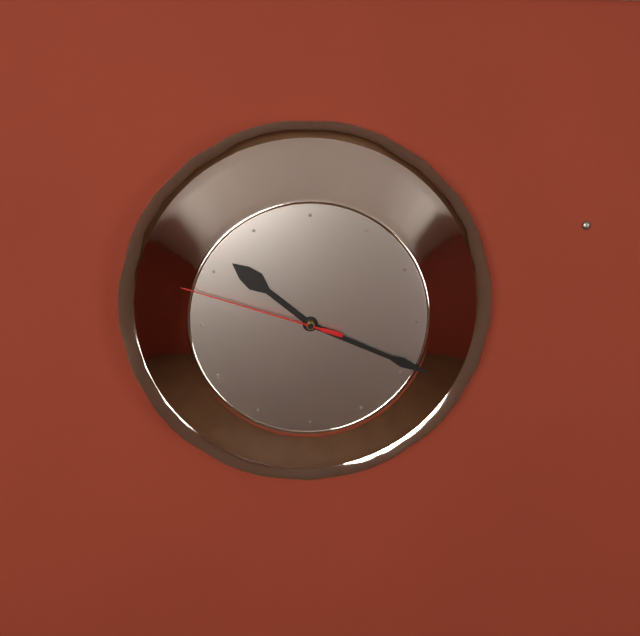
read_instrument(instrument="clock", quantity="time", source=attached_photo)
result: 10:19:48
